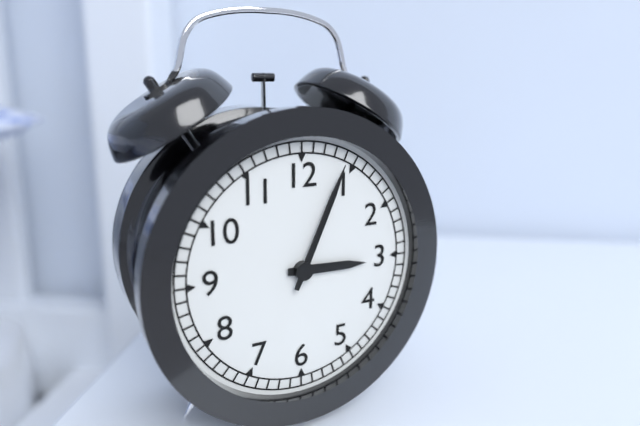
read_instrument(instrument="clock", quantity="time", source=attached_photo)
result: 3:04
